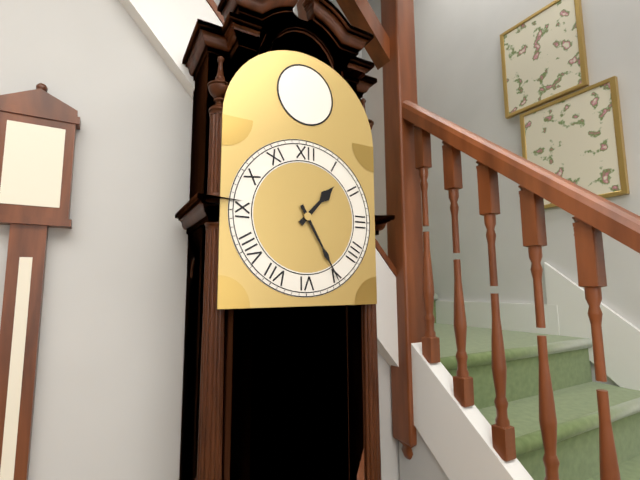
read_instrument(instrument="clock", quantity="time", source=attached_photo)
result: 1:25
